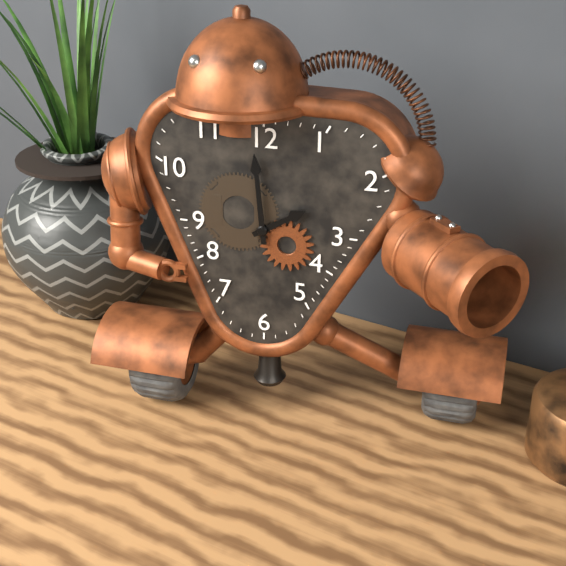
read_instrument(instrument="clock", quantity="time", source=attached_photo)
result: 1:59
